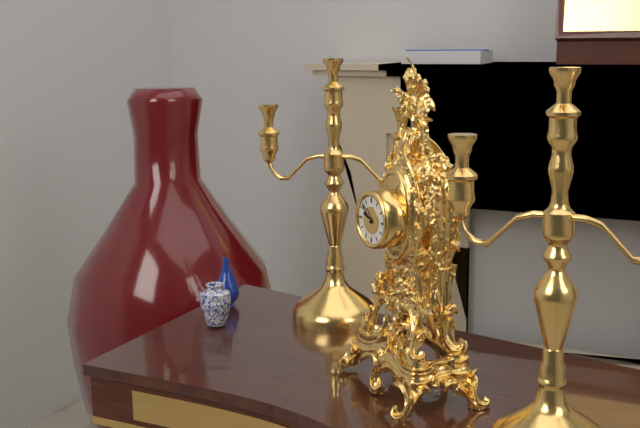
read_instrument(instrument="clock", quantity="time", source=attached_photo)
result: 9:53
